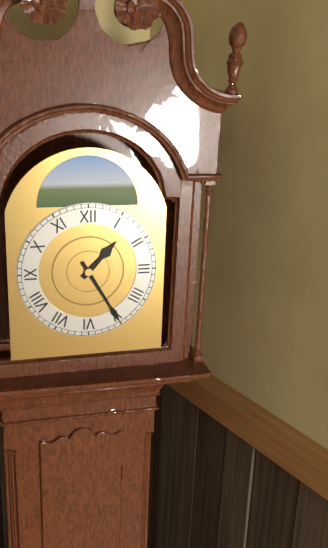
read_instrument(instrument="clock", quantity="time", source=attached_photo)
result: 1:25
